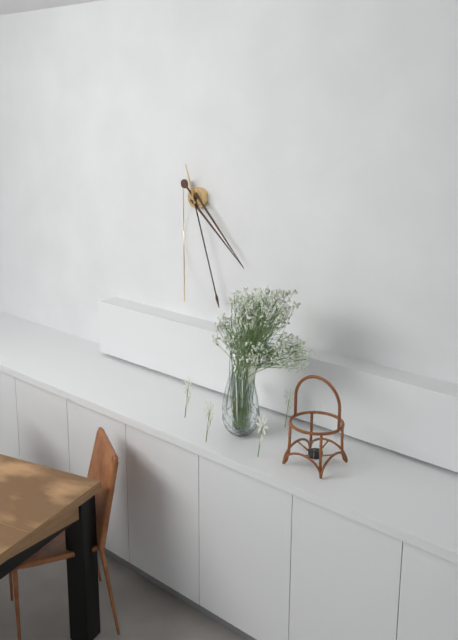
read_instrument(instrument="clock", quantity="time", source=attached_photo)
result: 4:27
